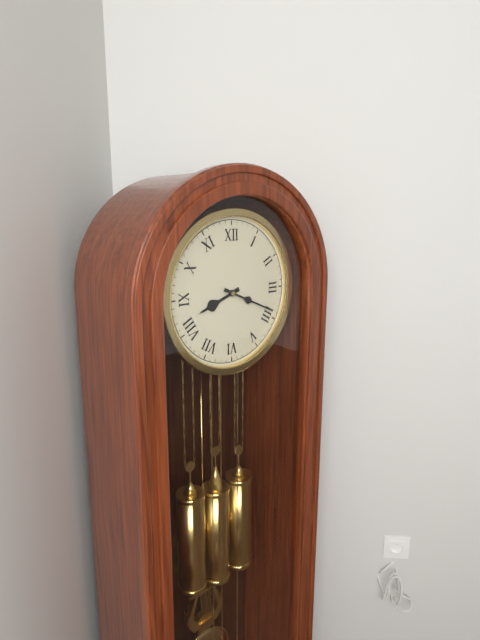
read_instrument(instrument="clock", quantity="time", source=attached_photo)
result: 8:19
